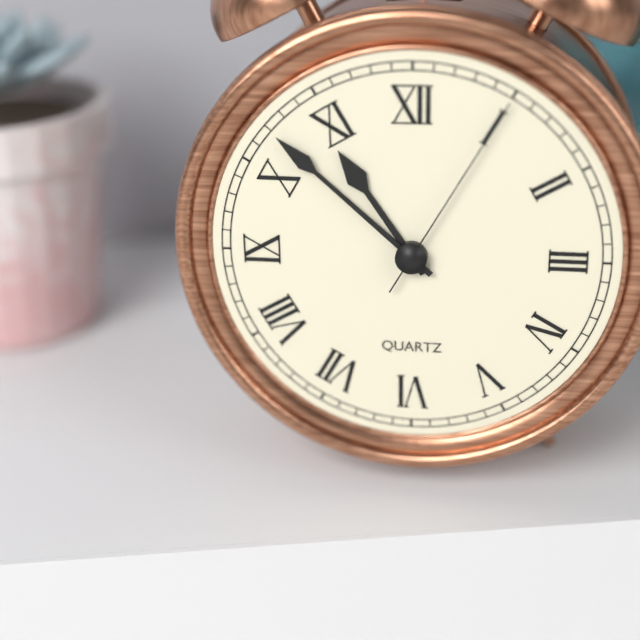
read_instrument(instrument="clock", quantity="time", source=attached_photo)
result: 10:52:05
